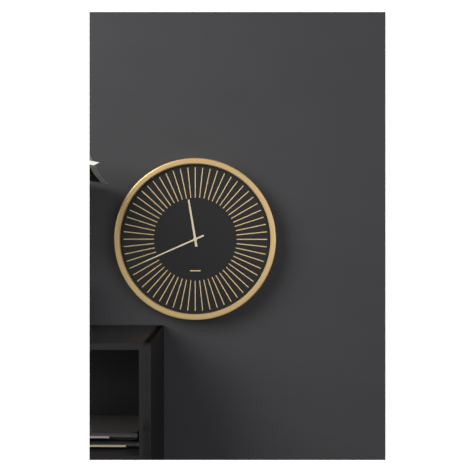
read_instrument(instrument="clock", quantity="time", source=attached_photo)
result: 11:41
